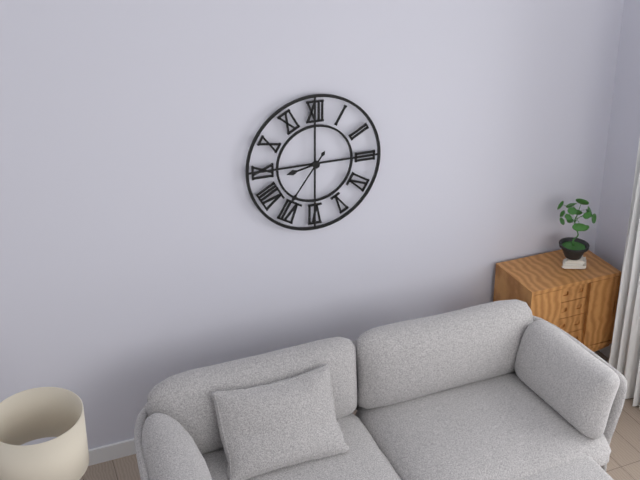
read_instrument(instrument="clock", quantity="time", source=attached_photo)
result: 8:36
